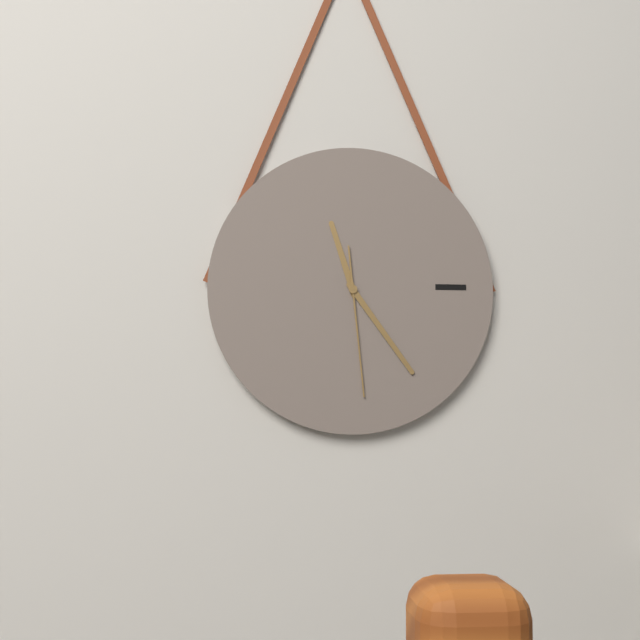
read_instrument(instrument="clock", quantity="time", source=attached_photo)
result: 11:24:29
